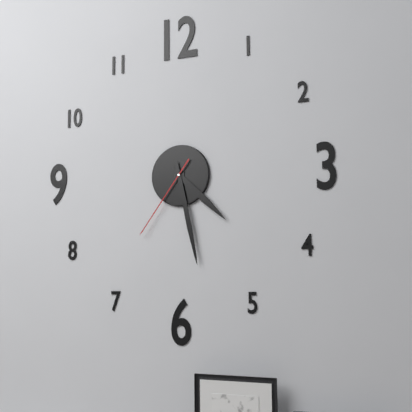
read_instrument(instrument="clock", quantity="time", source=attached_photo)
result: 4:28:36
